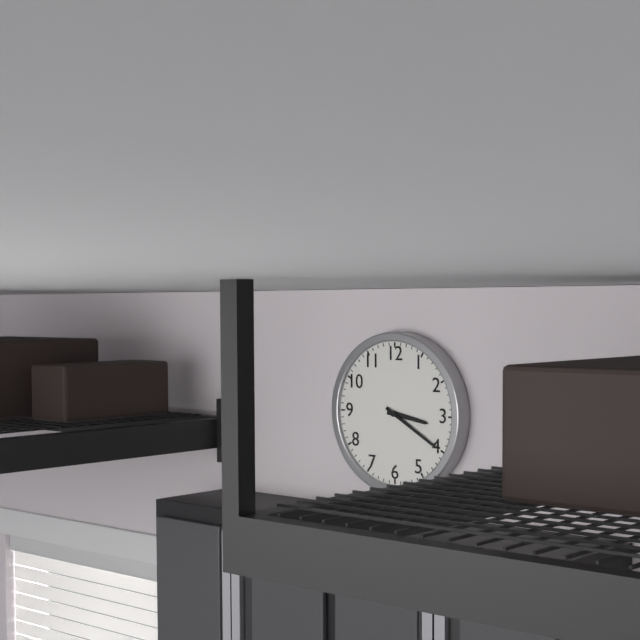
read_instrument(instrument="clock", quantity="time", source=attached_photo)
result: 3:20
